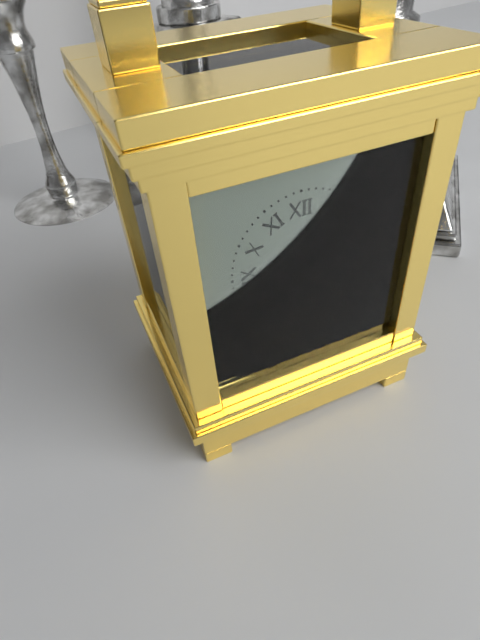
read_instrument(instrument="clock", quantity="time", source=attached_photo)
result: 12:41
